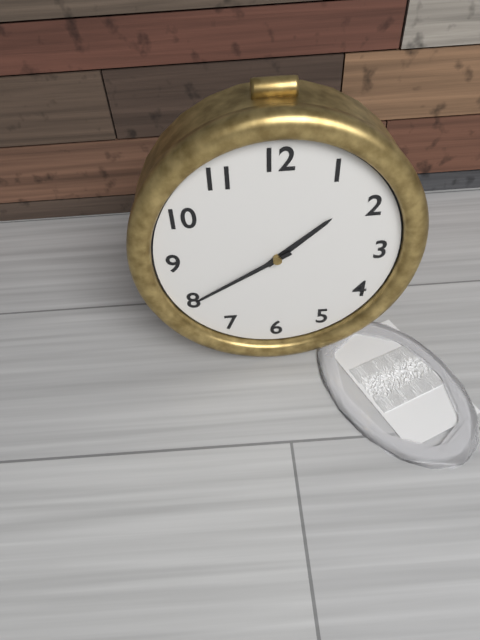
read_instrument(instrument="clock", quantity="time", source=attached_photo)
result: 1:40
